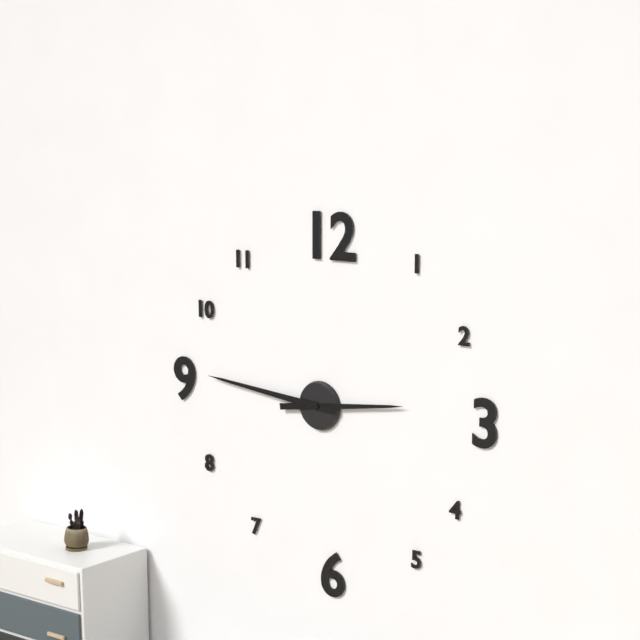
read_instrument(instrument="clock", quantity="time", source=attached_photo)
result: 2:46
